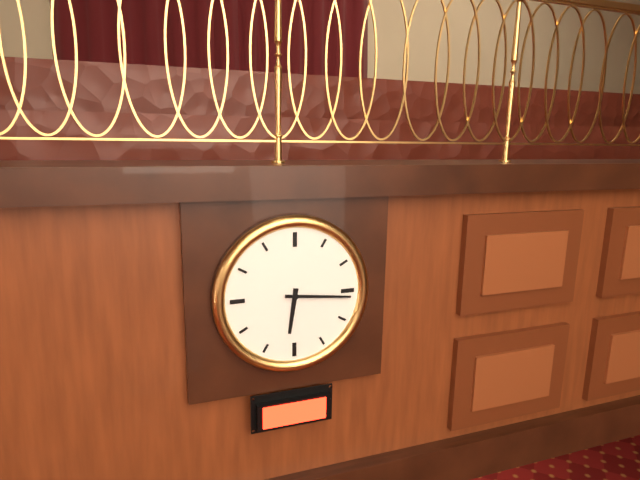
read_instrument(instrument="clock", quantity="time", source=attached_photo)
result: 6:16
